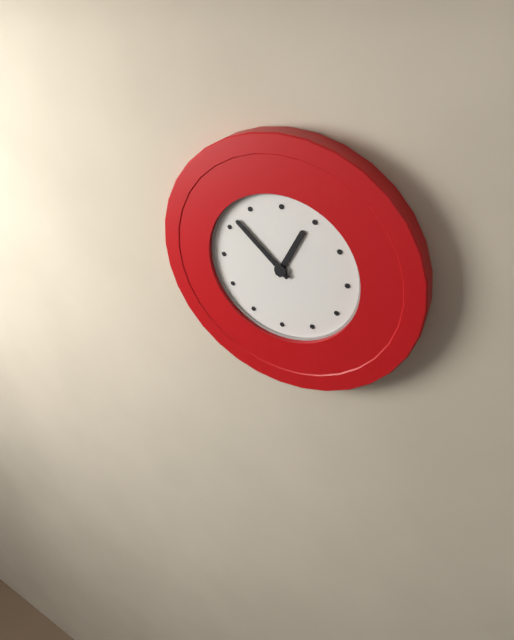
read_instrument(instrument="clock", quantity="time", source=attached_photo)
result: 12:52
